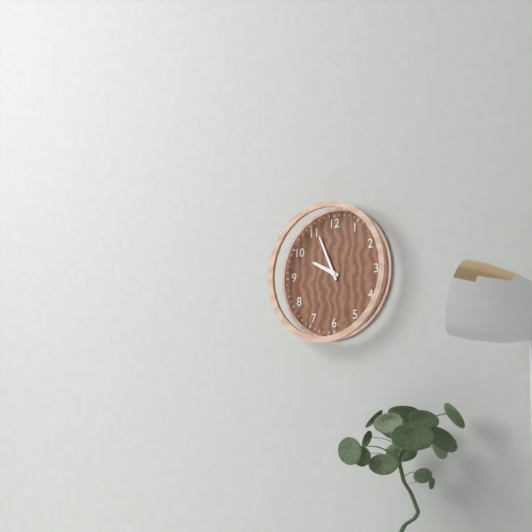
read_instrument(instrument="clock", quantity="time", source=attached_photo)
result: 9:56
